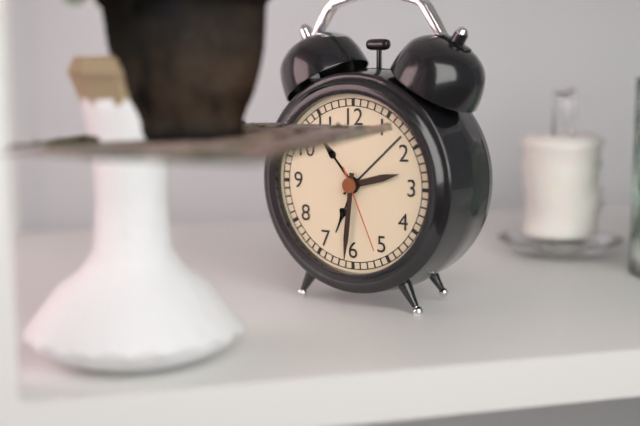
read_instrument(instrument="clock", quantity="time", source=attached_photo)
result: 2:31:26
